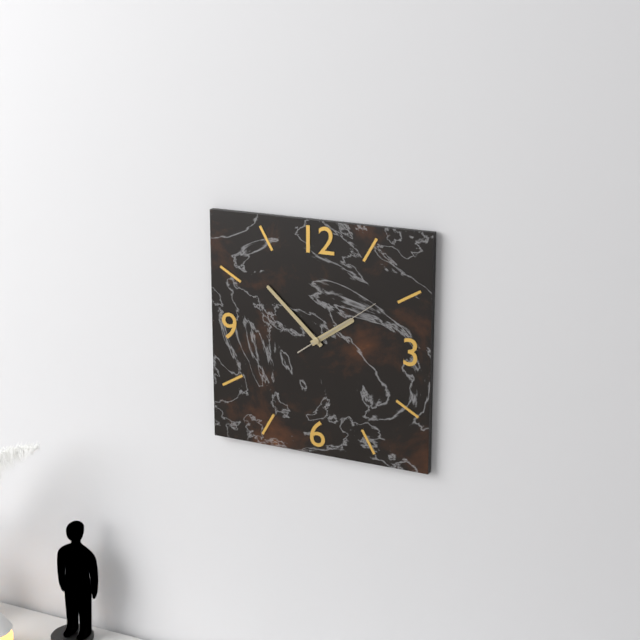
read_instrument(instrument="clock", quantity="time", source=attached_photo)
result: 1:52:09
